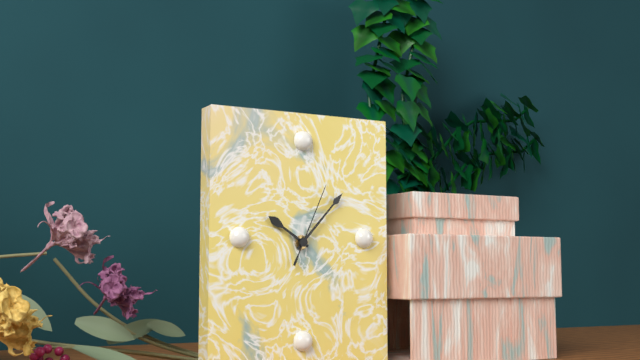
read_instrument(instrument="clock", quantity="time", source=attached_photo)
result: 10:07:04
